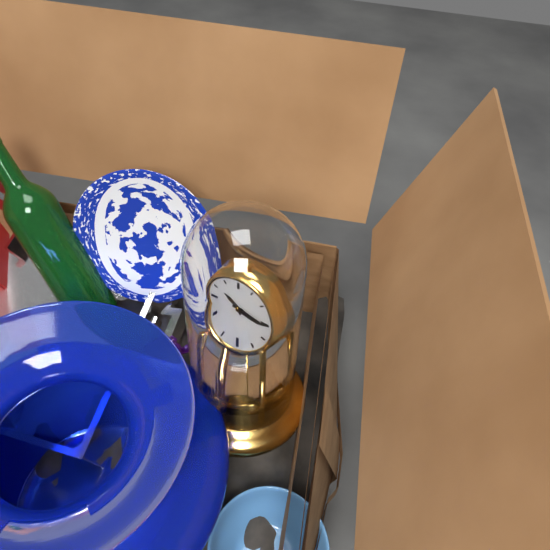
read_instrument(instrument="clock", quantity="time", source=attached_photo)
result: 10:15
